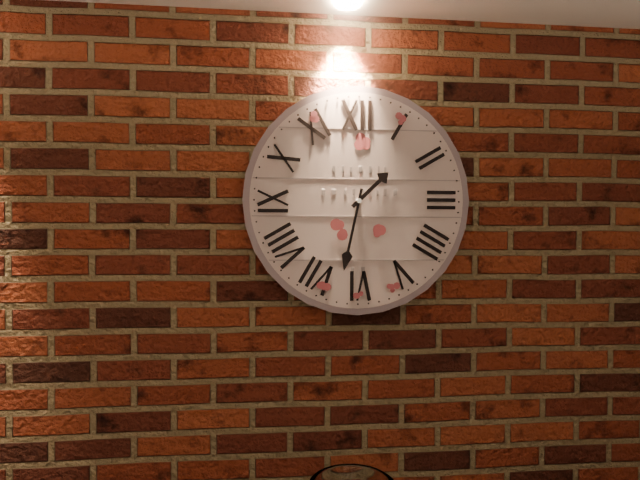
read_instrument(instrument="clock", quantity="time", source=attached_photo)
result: 1:32
